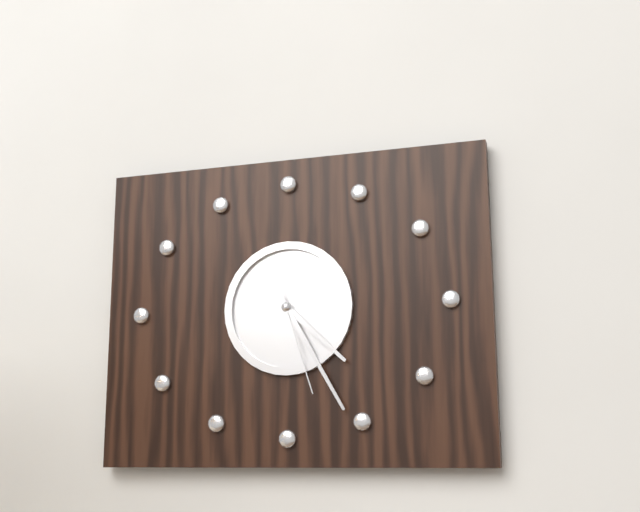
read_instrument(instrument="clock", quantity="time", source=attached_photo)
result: 4:25:27
